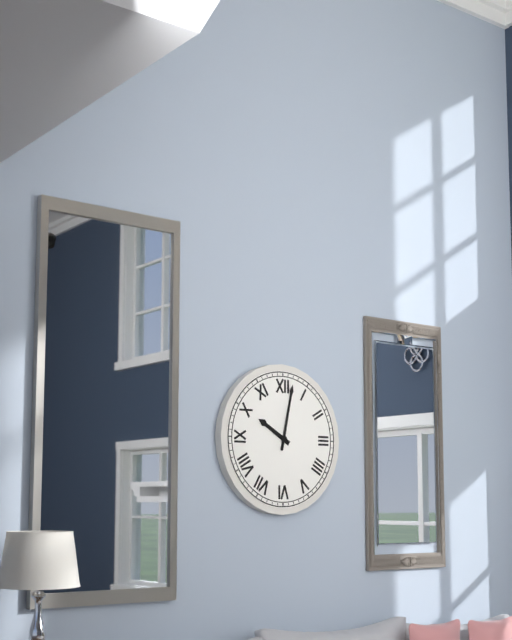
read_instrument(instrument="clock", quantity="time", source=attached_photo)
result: 10:02
